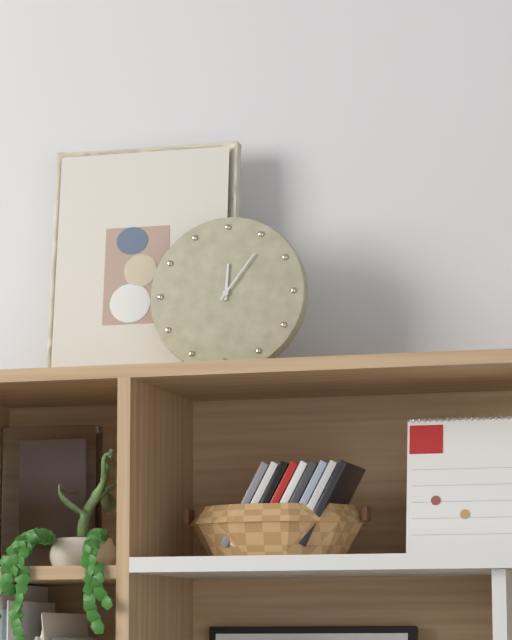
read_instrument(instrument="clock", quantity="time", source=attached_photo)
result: 12:06
